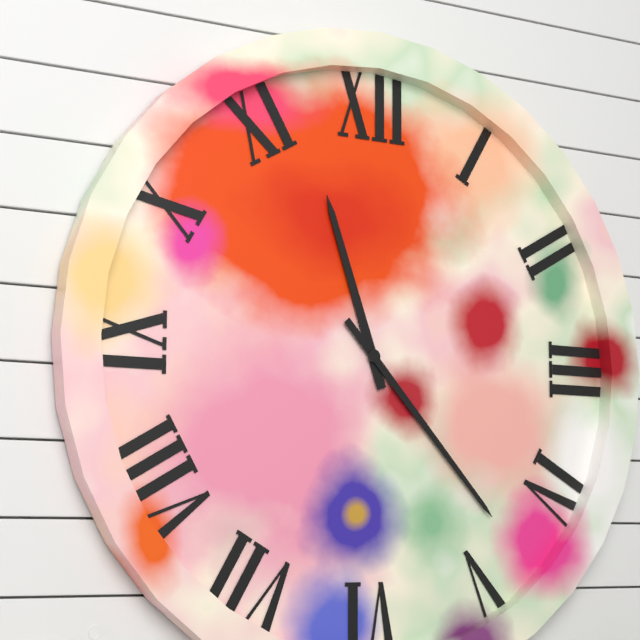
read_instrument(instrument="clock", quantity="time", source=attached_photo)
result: 11:23
